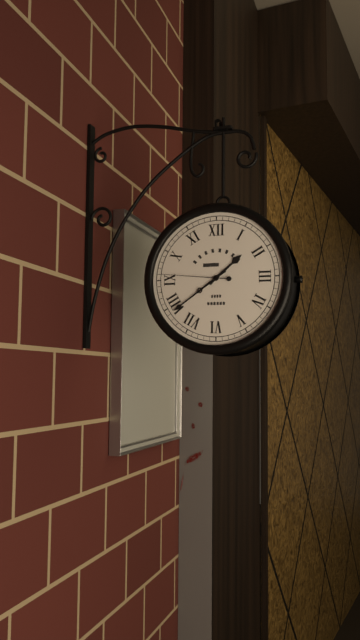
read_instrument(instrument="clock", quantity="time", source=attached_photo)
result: 1:39:46
